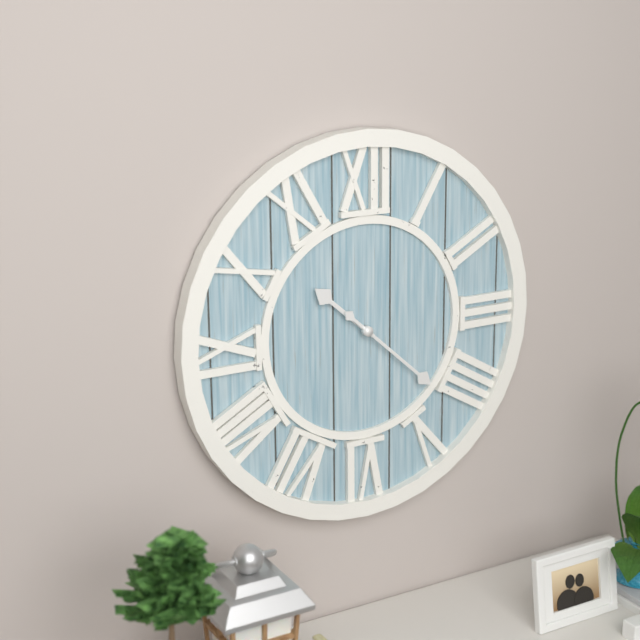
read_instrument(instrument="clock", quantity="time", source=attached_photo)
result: 10:22
